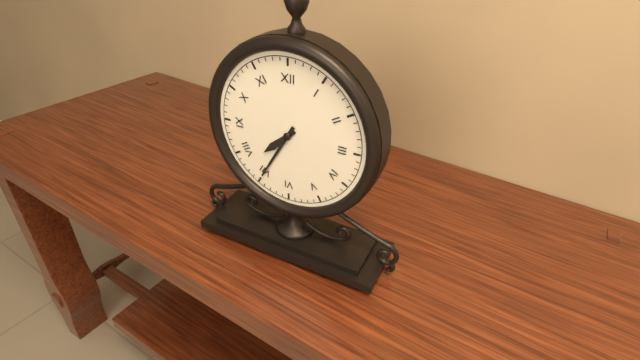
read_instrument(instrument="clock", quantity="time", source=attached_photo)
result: 7:35
